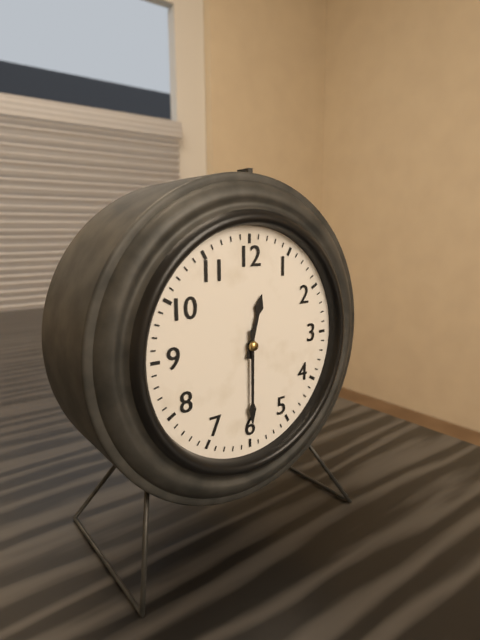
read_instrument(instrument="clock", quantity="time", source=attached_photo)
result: 12:30
